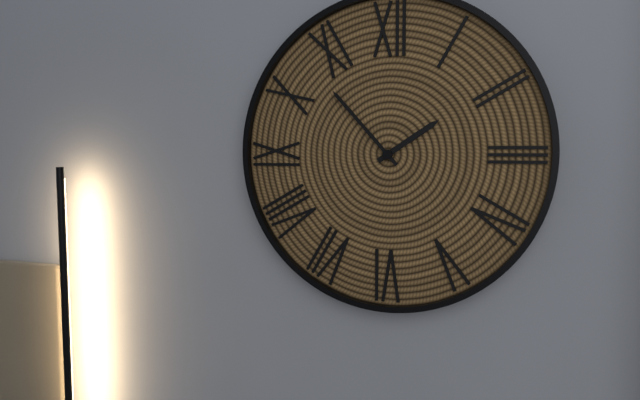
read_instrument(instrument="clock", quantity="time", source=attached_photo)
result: 1:53
